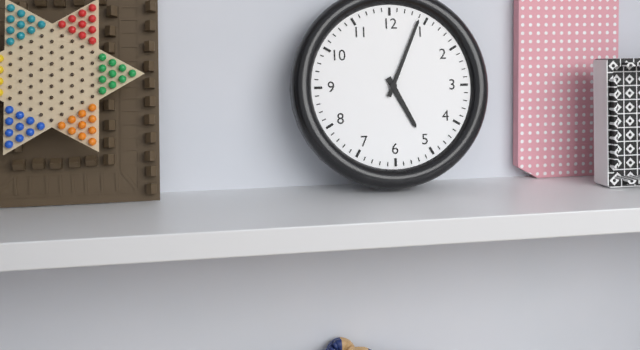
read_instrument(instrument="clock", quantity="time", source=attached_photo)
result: 5:04
